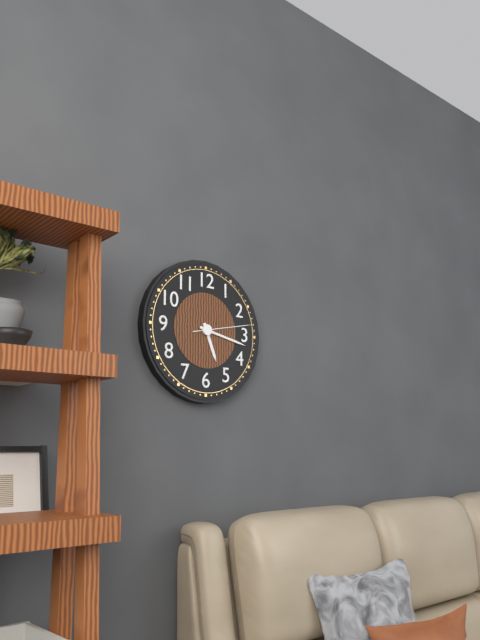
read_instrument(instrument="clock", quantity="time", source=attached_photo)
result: 5:17:13
